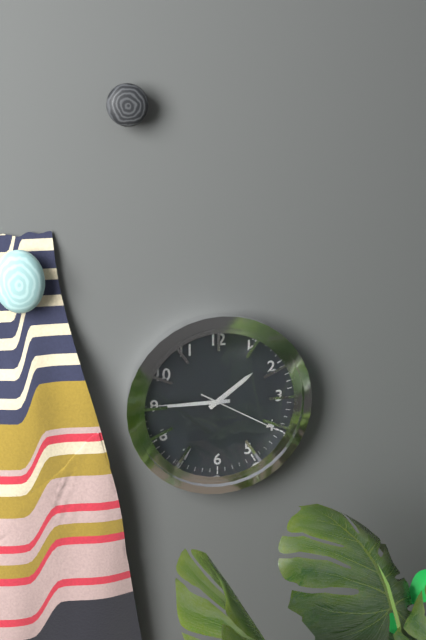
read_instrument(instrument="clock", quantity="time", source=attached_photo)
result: 1:45:20
